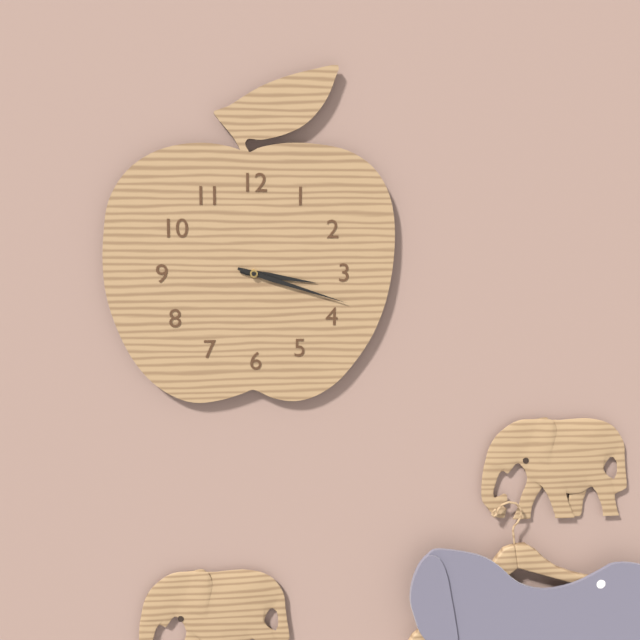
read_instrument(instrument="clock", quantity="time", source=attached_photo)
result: 3:18
